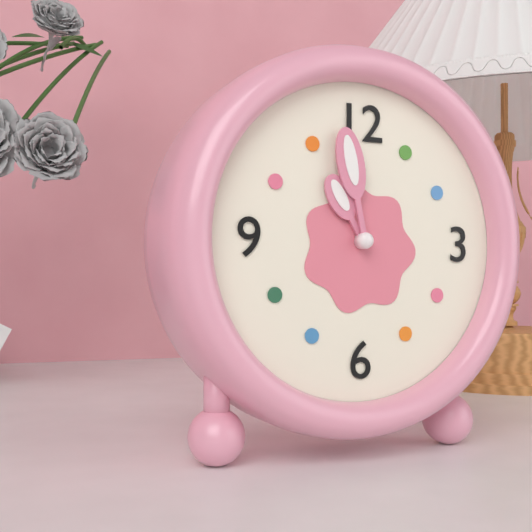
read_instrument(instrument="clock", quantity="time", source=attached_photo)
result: 10:58
